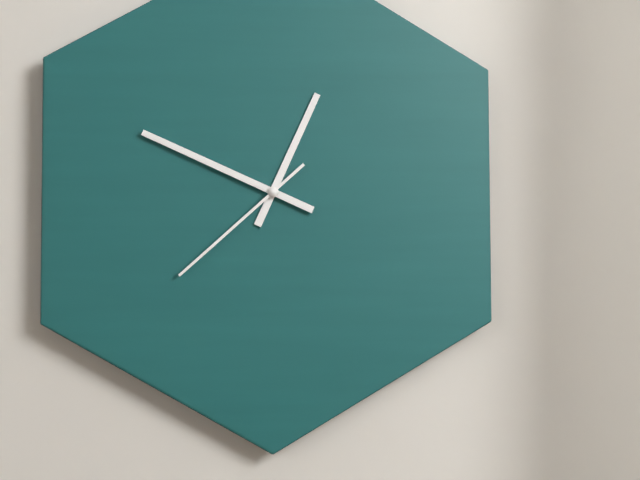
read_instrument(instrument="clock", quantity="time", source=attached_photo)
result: 12:49:38
